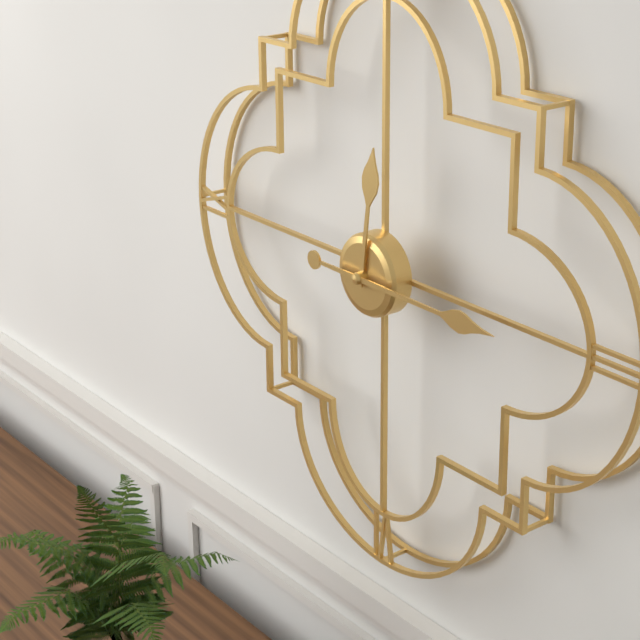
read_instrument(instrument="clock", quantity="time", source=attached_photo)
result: 12:15
